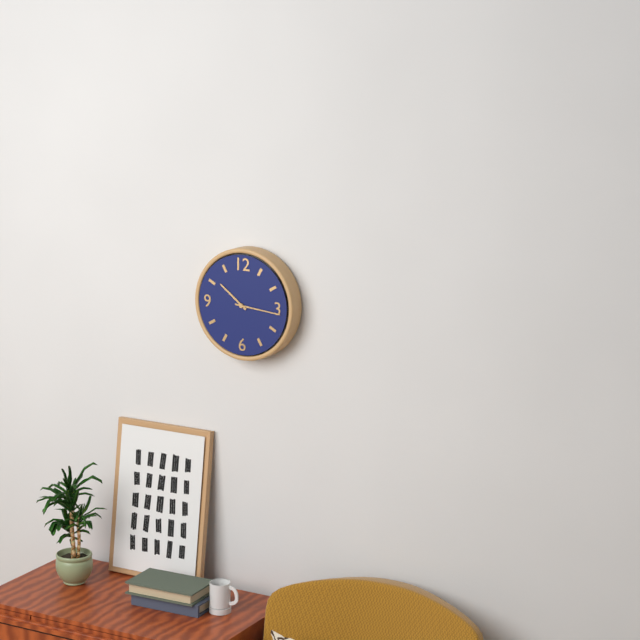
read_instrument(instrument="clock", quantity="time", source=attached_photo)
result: 10:16
